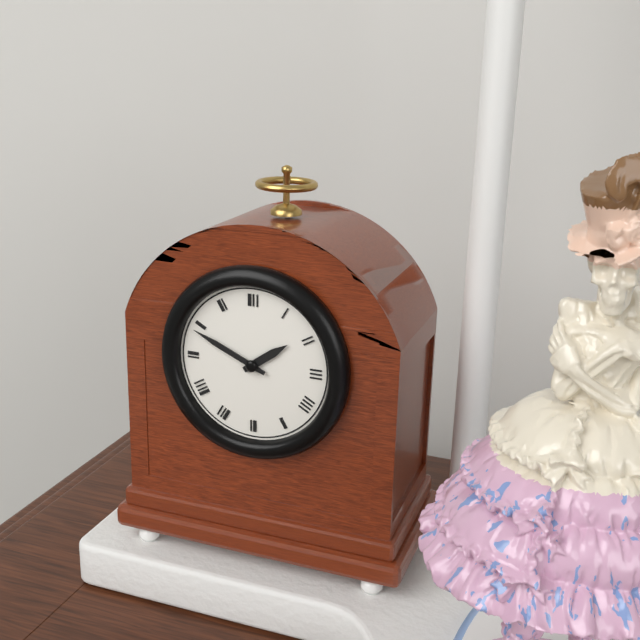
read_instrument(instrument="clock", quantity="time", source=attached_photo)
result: 1:49
